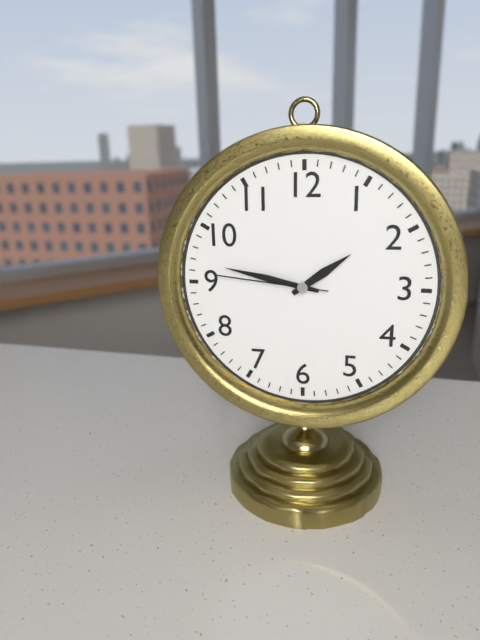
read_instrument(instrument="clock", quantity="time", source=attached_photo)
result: 1:47:46
